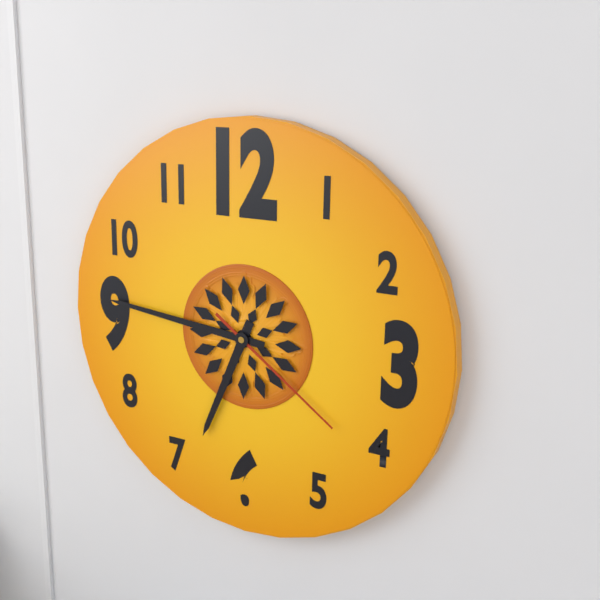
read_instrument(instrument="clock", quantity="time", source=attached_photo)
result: 6:46:21
